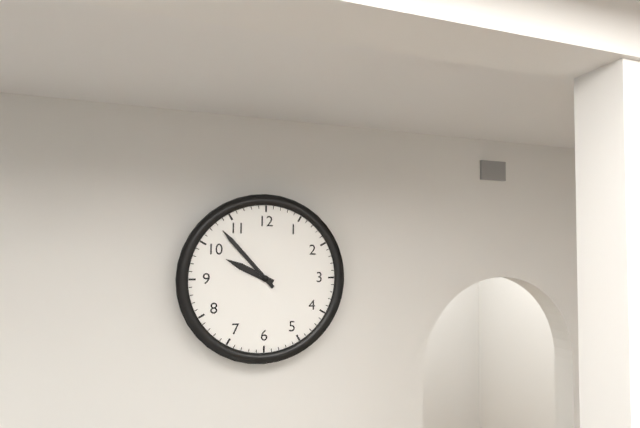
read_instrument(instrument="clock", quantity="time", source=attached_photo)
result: 9:53
